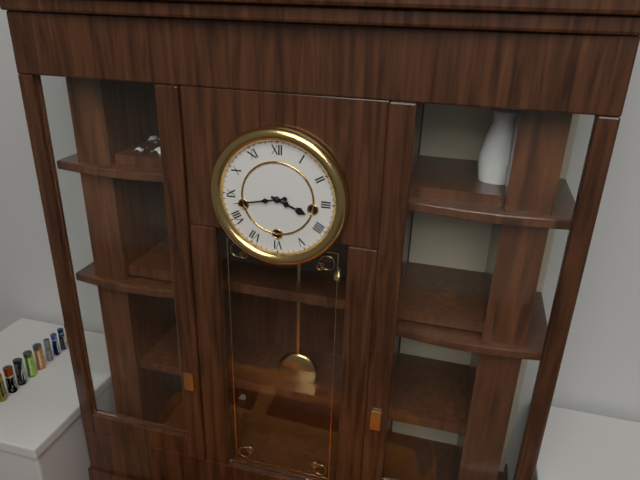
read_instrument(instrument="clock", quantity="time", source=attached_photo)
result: 3:43
